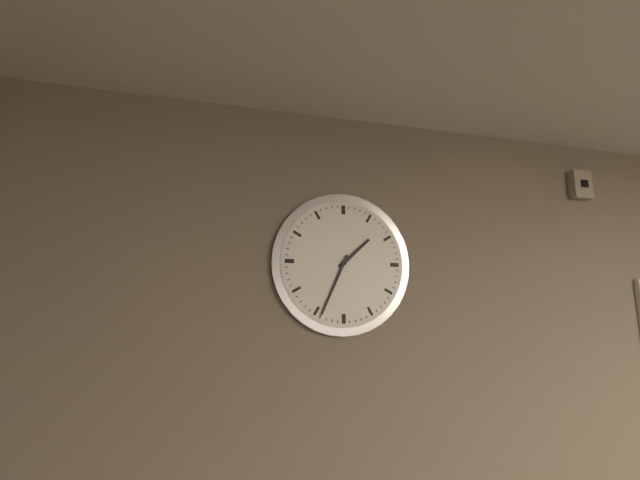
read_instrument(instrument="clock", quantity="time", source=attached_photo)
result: 1:34
